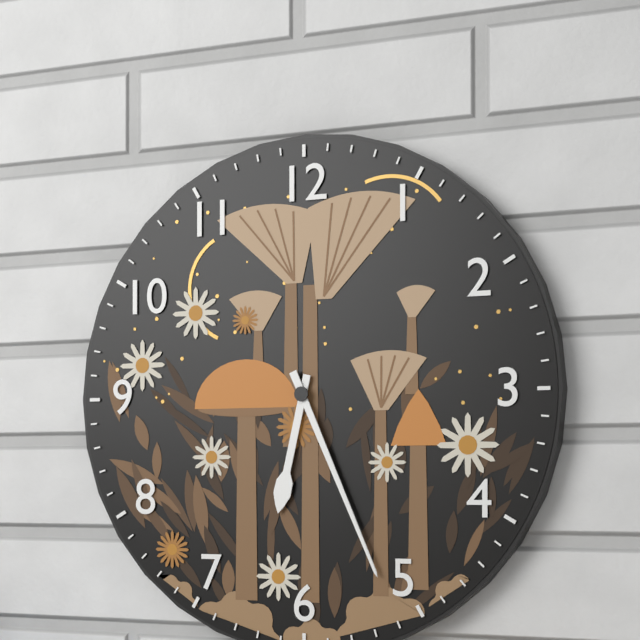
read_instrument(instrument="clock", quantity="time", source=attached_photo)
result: 6:26
